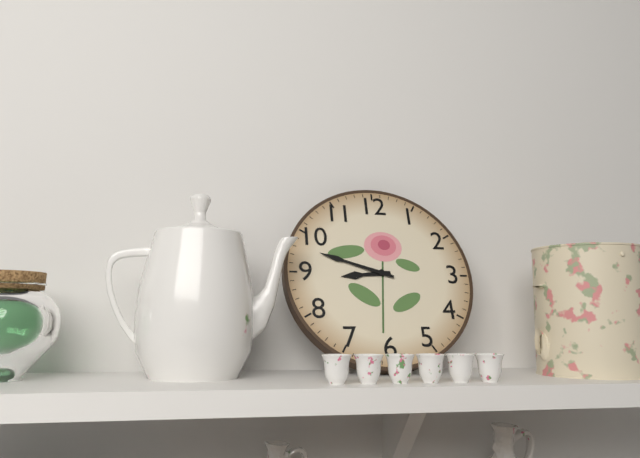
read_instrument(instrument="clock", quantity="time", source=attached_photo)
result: 8:48
